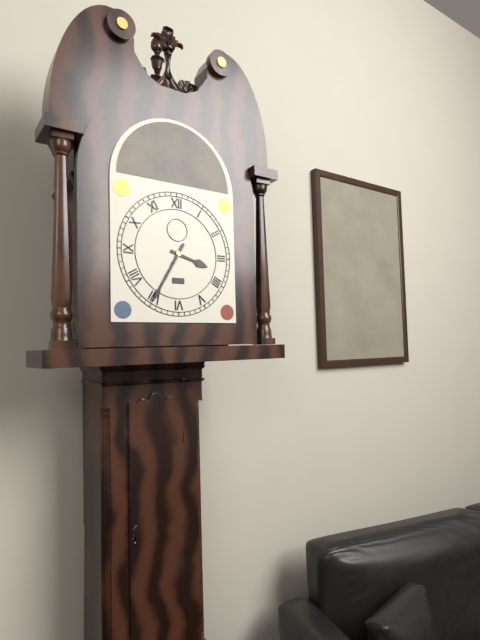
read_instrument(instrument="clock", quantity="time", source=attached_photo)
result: 3:35
